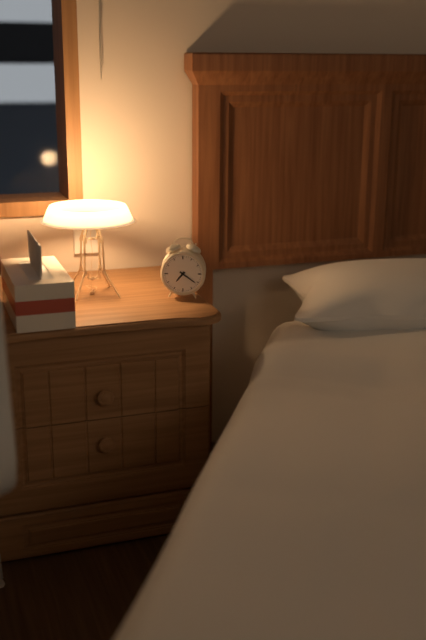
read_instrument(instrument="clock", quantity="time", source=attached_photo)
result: 7:21
